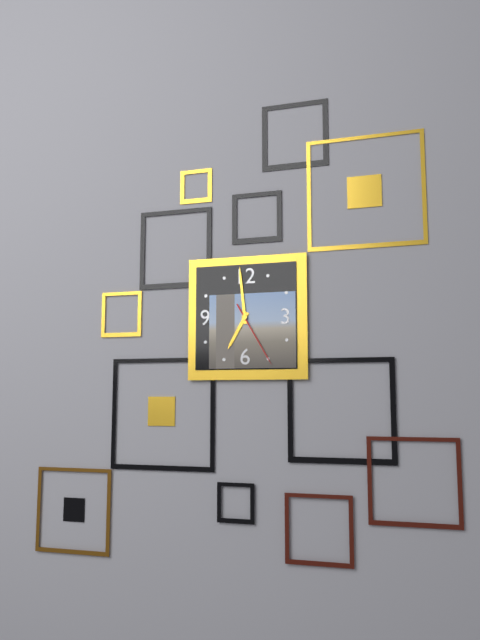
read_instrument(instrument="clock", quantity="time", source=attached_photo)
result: 6:59:25
